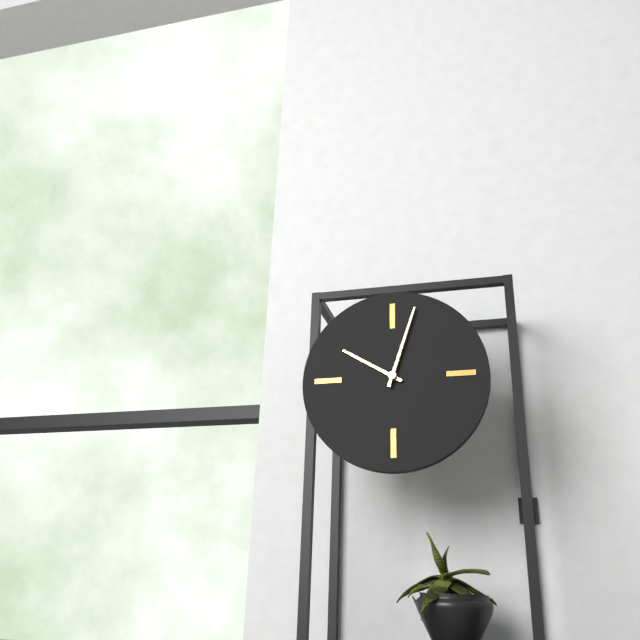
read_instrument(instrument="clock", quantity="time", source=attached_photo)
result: 10:03
